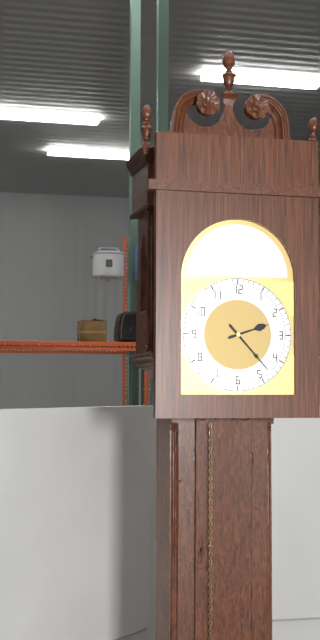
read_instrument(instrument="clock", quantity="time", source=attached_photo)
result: 2:23
